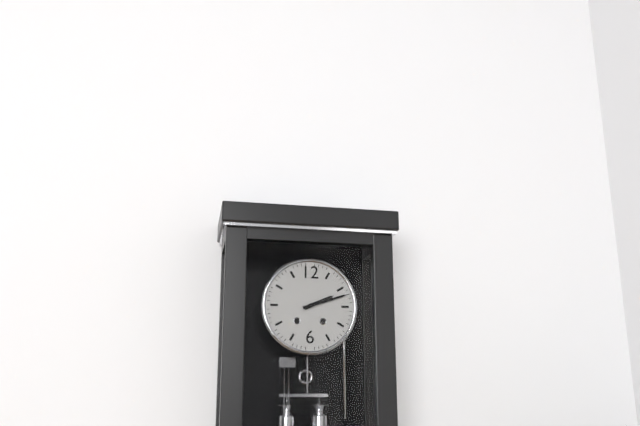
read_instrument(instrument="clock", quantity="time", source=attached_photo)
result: 2:12
